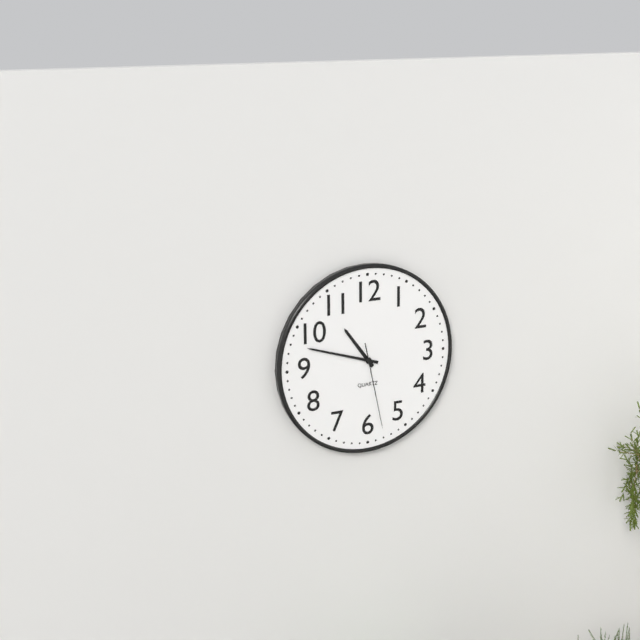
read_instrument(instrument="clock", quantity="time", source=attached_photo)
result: 10:48:28
